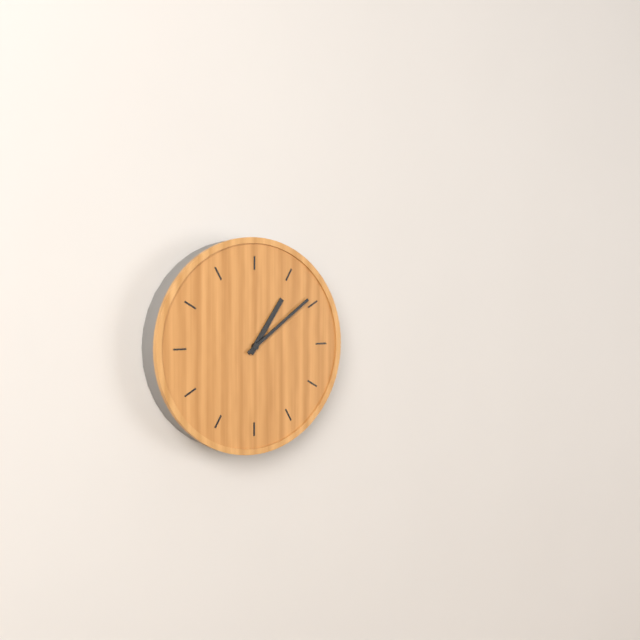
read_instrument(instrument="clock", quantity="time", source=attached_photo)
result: 1:09
